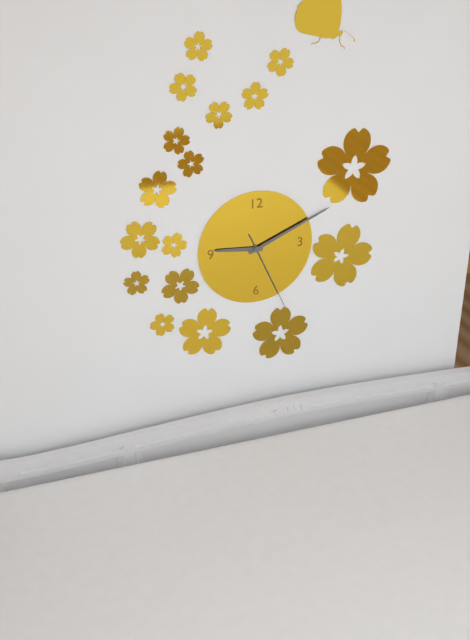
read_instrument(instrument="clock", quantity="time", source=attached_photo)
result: 9:11:26
